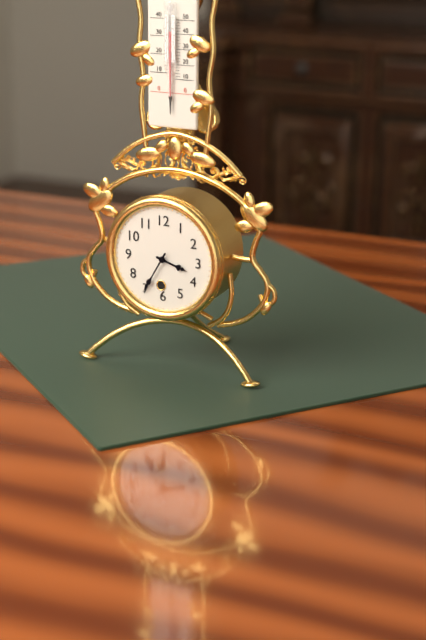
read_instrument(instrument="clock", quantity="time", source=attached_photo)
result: 3:35
